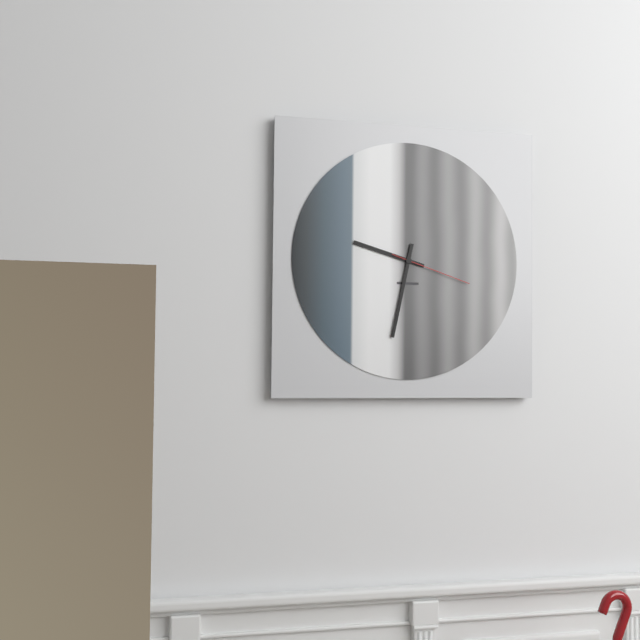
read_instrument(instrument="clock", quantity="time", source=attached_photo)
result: 9:32:18
